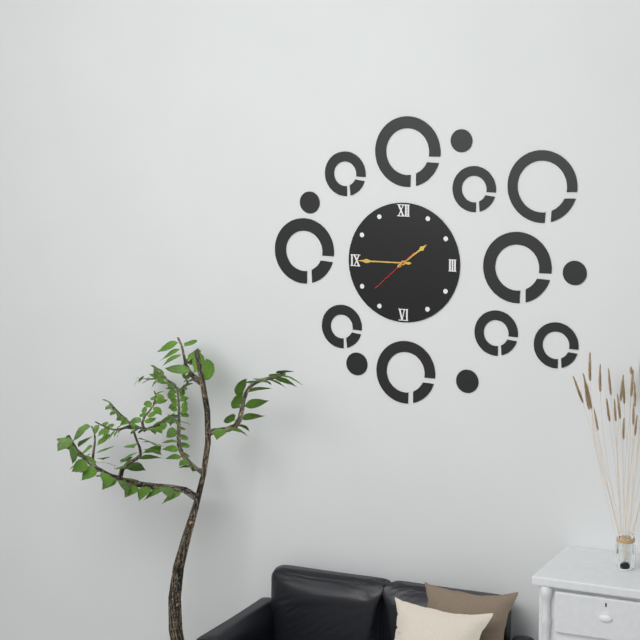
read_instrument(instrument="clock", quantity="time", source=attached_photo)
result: 1:45
